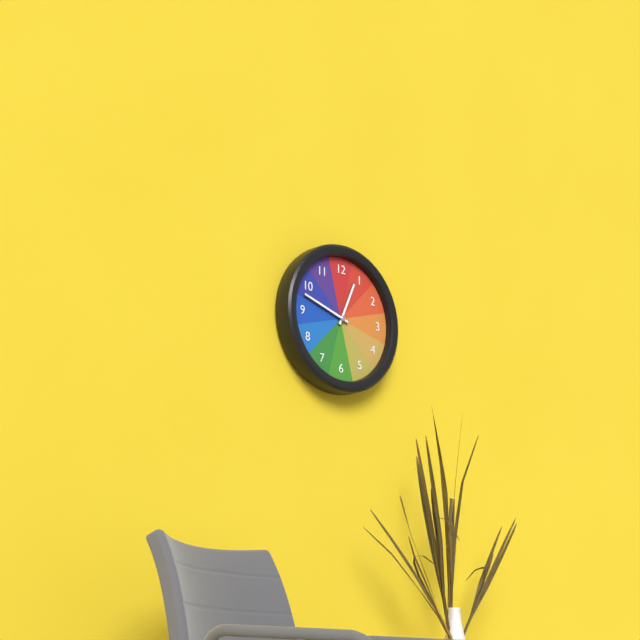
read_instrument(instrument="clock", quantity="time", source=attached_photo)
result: 12:48
